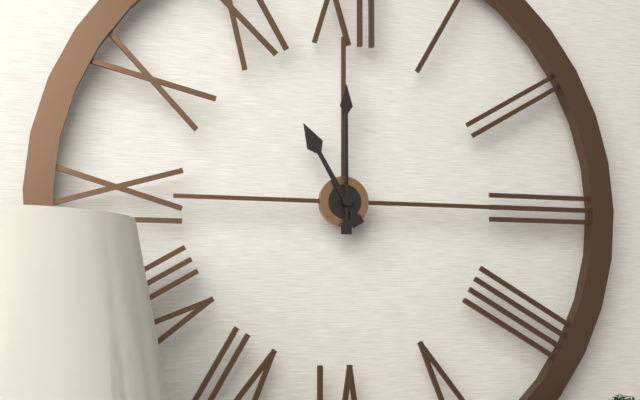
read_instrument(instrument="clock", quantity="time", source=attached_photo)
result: 11:00
